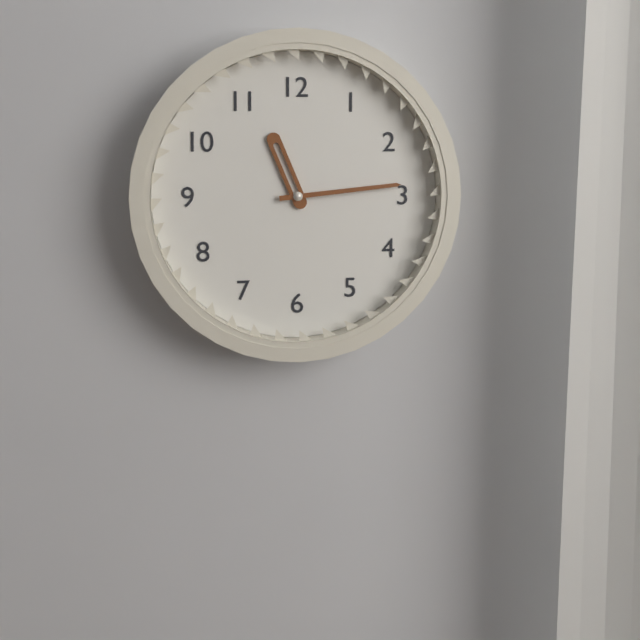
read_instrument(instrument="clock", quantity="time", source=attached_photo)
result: 11:14
